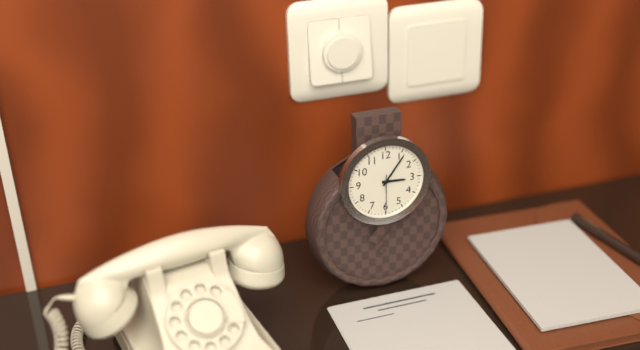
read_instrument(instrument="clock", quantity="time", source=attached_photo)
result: 3:06
